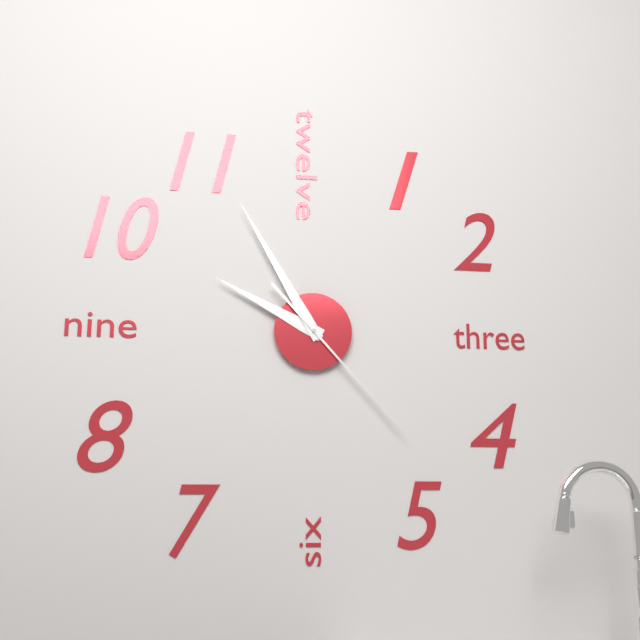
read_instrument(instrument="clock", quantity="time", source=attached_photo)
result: 9:55:23
